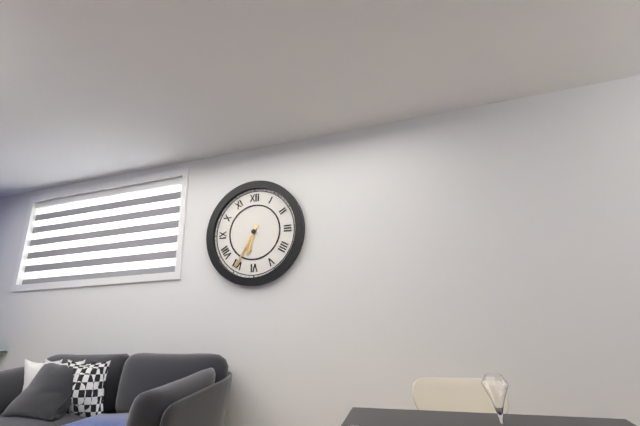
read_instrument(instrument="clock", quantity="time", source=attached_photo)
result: 6:35
